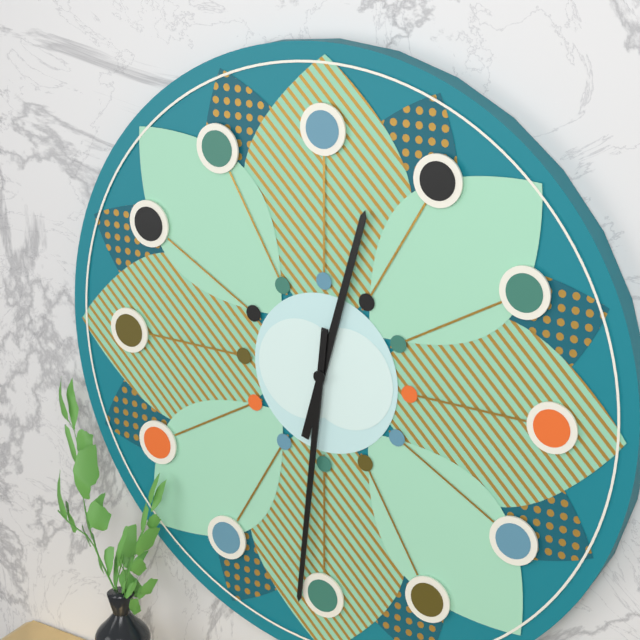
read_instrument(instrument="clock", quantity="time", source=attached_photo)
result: 12:31
